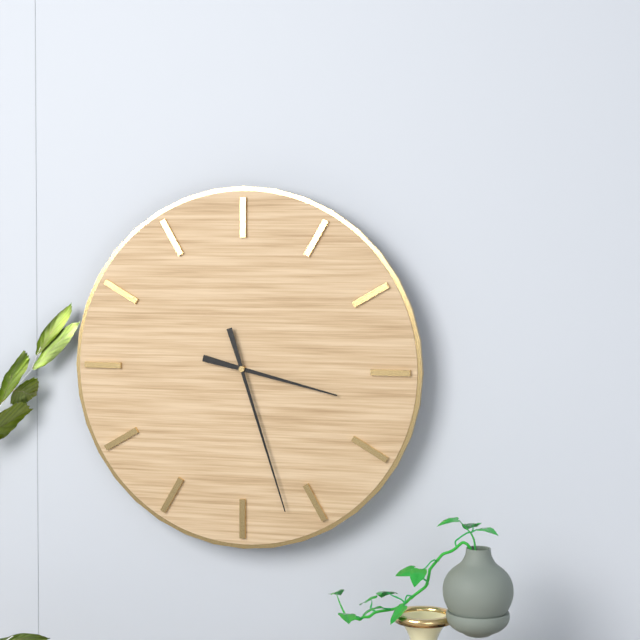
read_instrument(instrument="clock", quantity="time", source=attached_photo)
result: 3:27
